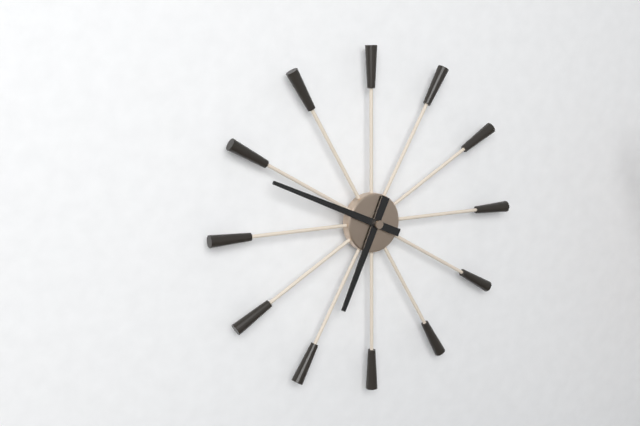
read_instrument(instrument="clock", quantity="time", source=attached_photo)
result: 6:49
